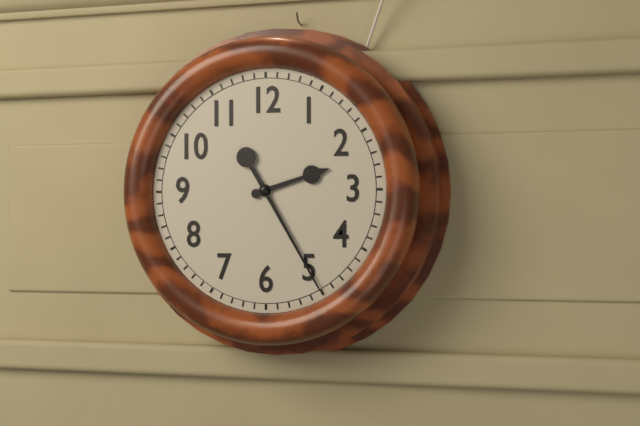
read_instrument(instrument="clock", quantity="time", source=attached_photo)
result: 2:25
